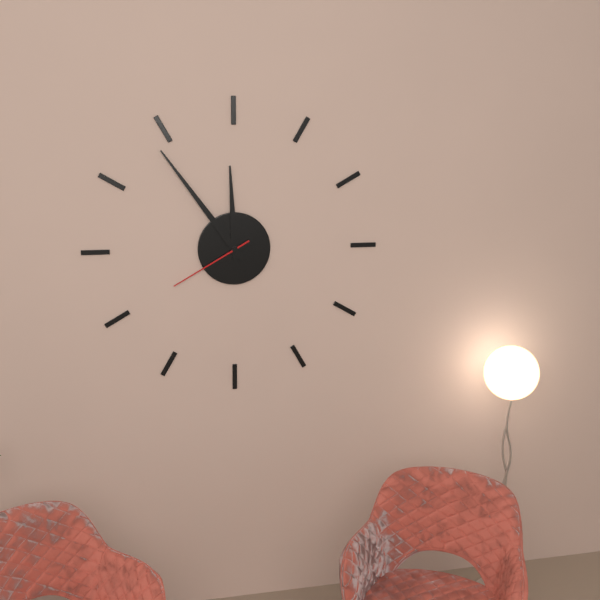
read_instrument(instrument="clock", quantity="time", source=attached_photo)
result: 11:54:40
